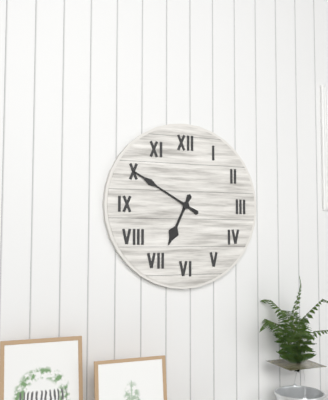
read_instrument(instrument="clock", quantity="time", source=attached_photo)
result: 6:50
